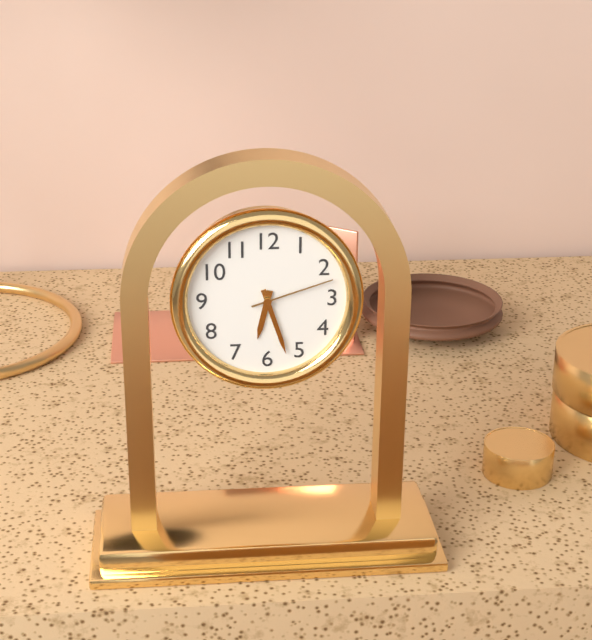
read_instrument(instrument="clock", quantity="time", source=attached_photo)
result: 6:27:12
